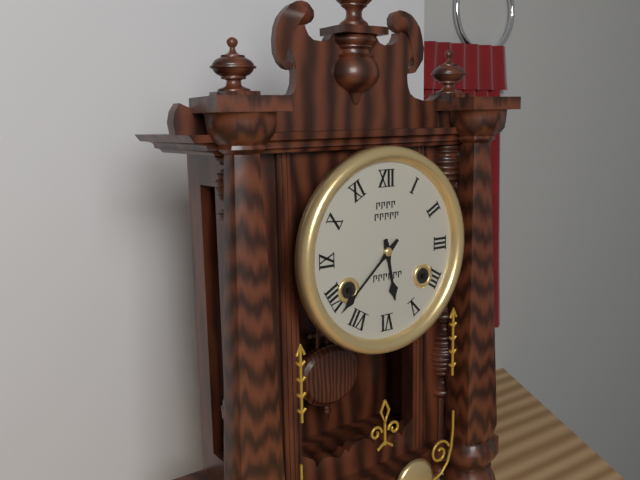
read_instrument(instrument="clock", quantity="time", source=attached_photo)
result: 5:38
